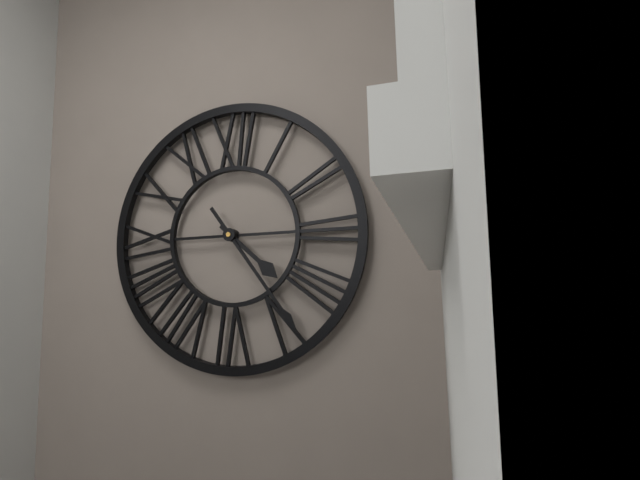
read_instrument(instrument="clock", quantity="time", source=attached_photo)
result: 4:24
